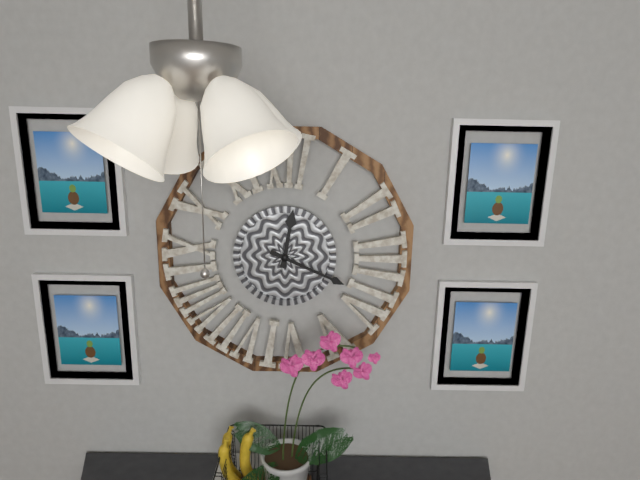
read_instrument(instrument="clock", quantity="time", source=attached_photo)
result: 12:19
